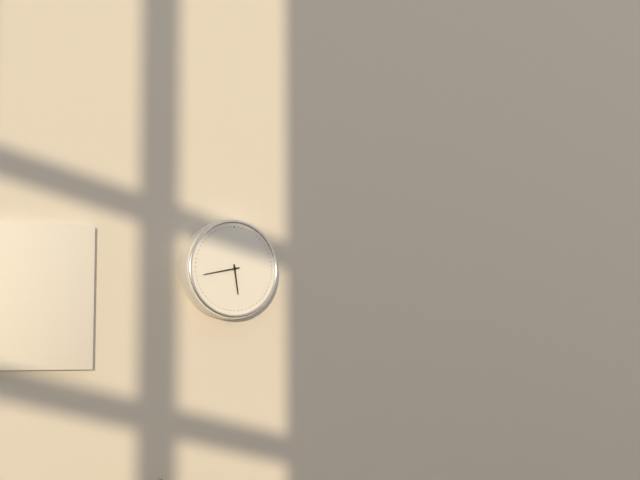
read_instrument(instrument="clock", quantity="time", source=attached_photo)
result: 5:43
